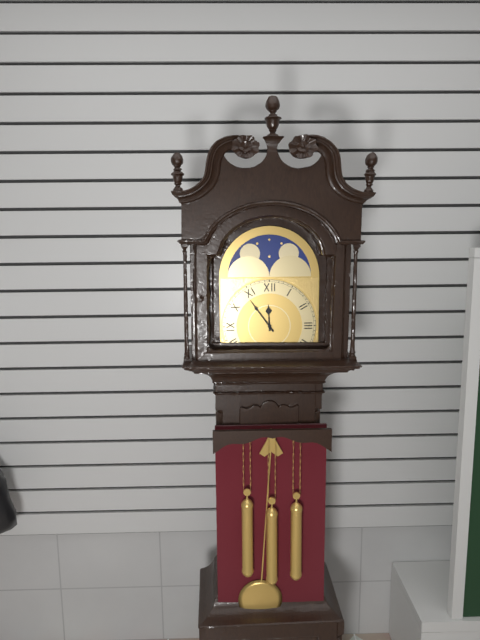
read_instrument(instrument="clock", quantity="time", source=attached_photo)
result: 11:54
